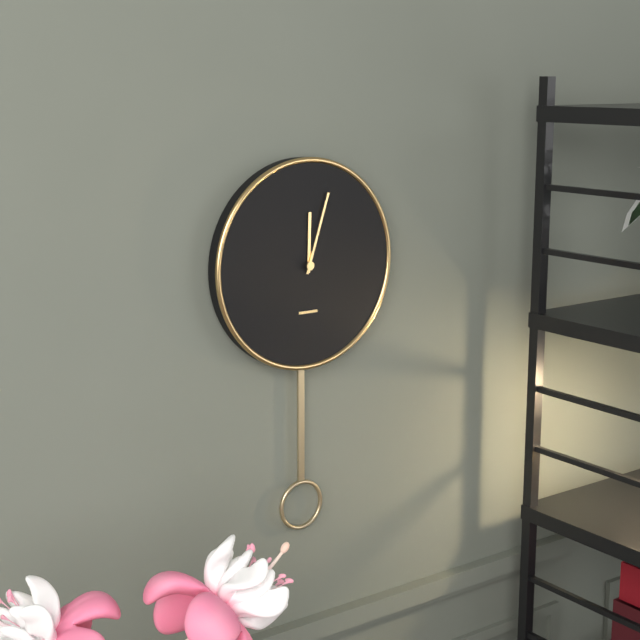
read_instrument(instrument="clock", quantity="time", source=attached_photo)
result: 12:03
